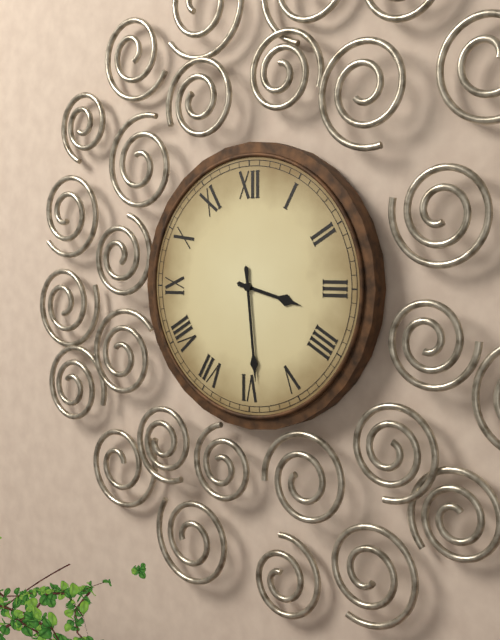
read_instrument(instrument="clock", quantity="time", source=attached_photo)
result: 3:29
